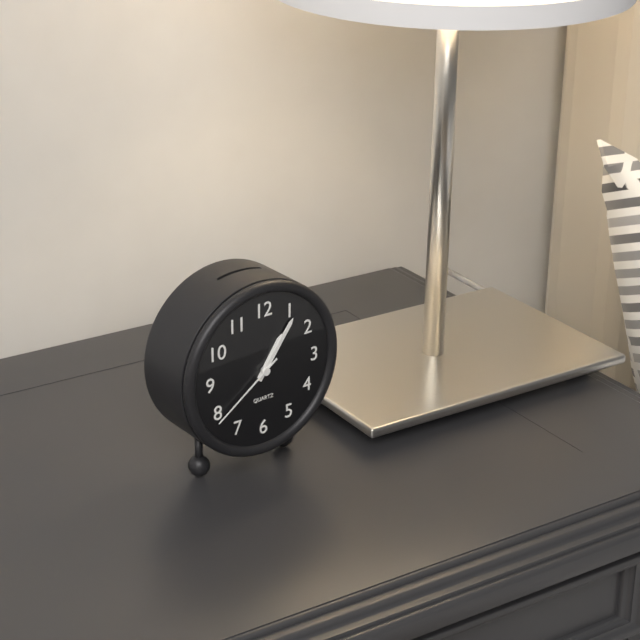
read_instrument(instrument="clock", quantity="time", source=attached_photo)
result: 1:06:39
